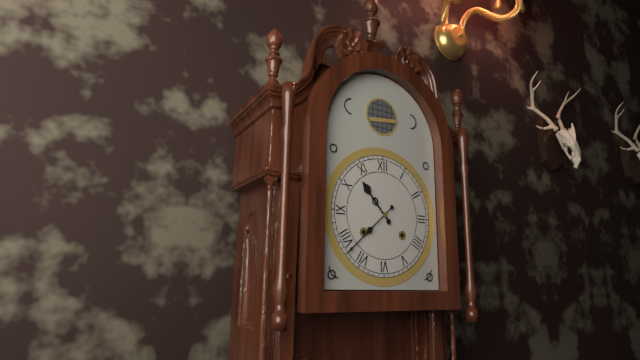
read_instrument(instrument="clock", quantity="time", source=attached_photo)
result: 10:38
